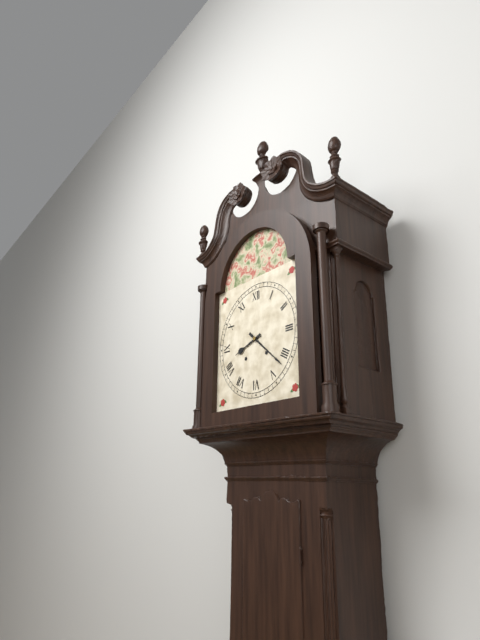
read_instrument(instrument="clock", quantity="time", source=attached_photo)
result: 8:22
